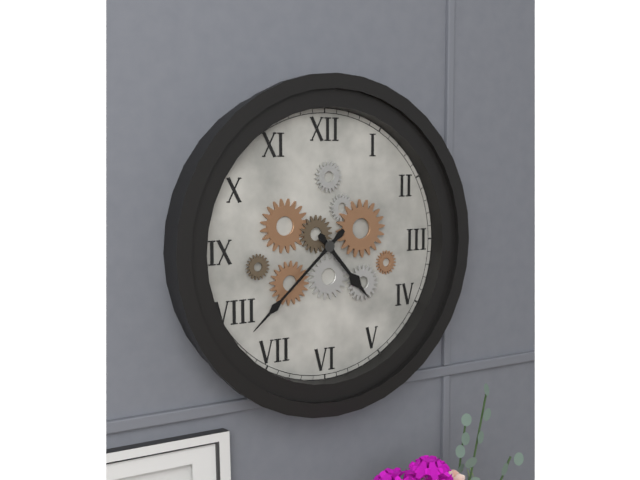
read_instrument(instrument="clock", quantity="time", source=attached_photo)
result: 4:38
